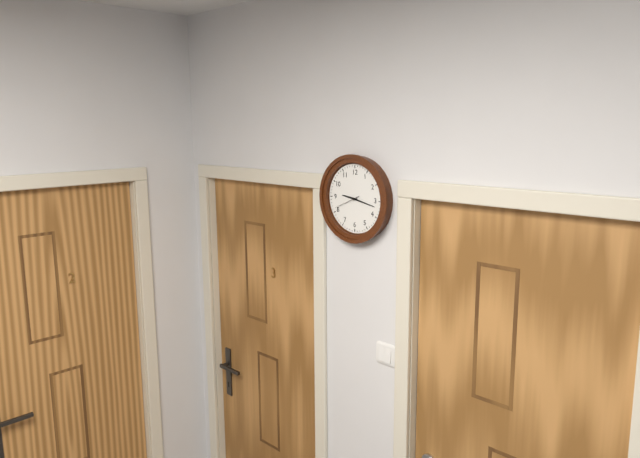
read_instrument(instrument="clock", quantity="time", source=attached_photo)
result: 9:17
